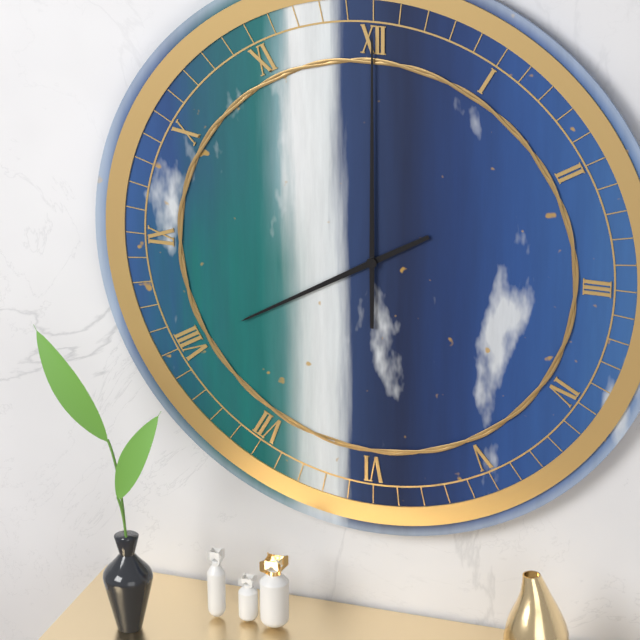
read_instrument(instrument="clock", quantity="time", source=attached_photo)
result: 8:00
